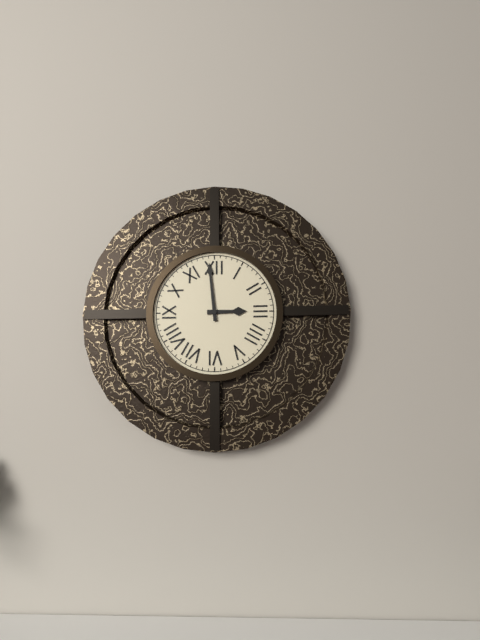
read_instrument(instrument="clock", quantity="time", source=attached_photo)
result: 2:59
